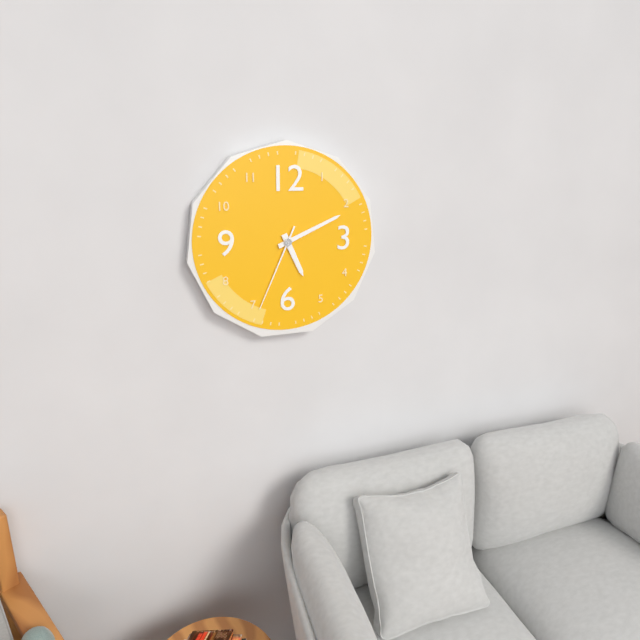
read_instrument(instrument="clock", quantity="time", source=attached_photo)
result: 5:11:34
